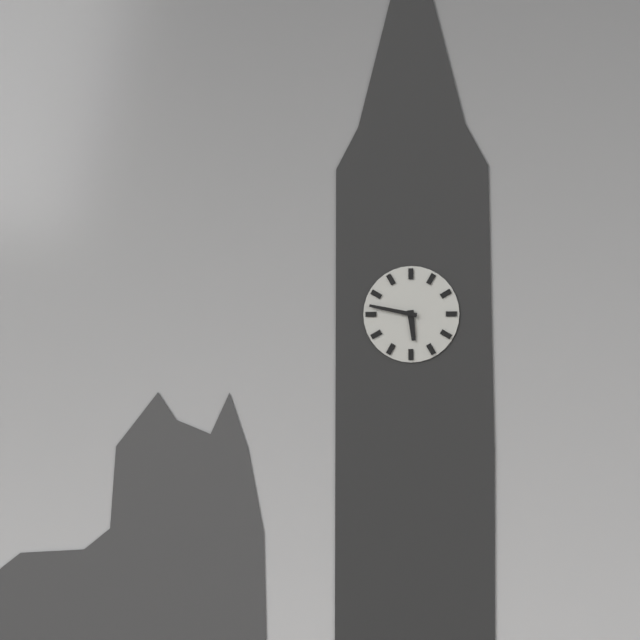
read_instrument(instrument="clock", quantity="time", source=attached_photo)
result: 5:47
